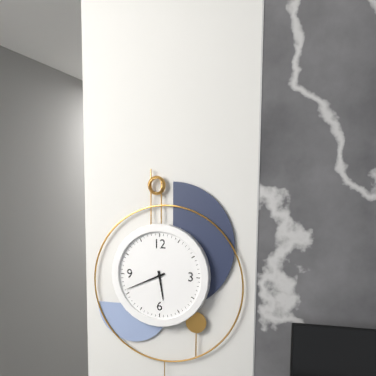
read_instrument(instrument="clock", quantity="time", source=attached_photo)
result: 5:41
